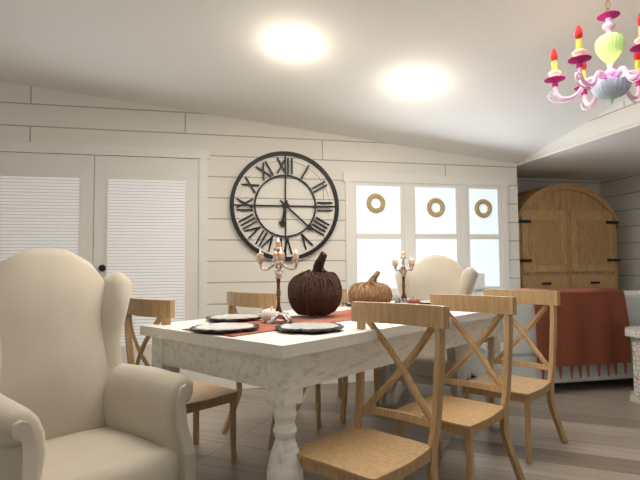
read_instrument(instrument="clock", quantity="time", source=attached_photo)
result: 6:22
